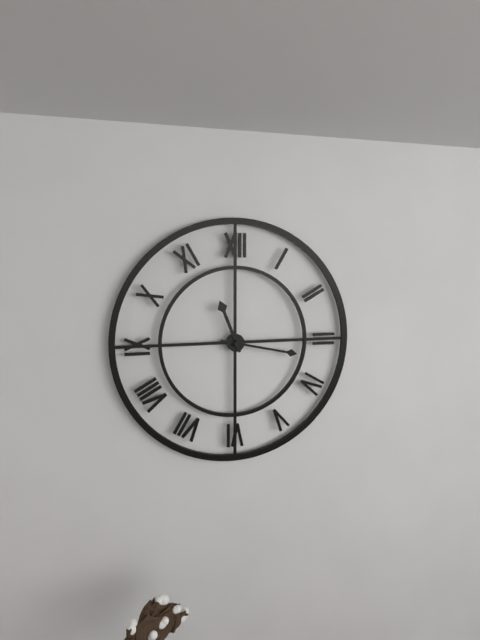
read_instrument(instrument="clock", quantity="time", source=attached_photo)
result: 11:17
